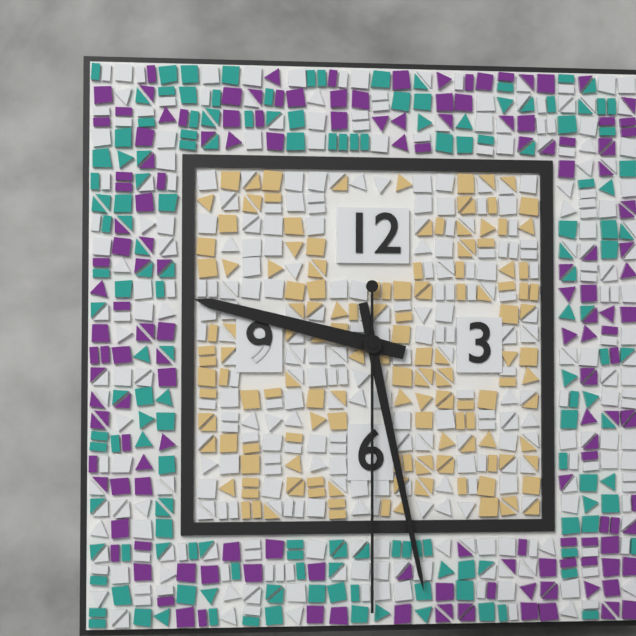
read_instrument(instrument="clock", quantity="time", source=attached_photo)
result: 9:28:30
